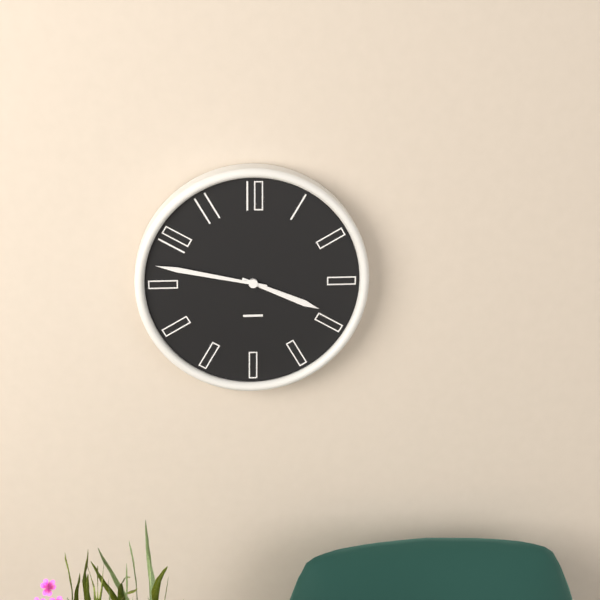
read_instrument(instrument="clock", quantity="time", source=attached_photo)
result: 3:47
